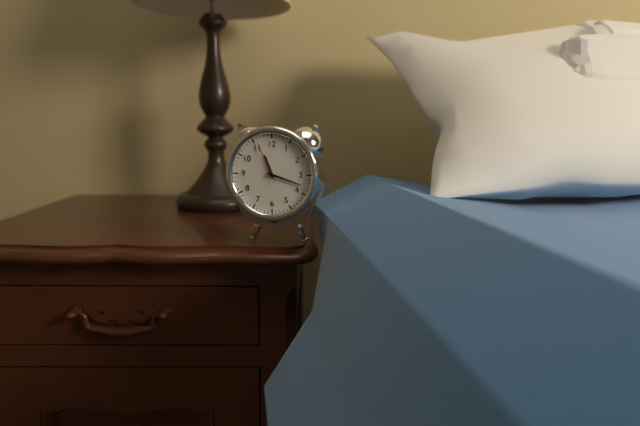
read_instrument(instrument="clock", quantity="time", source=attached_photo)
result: 11:18
